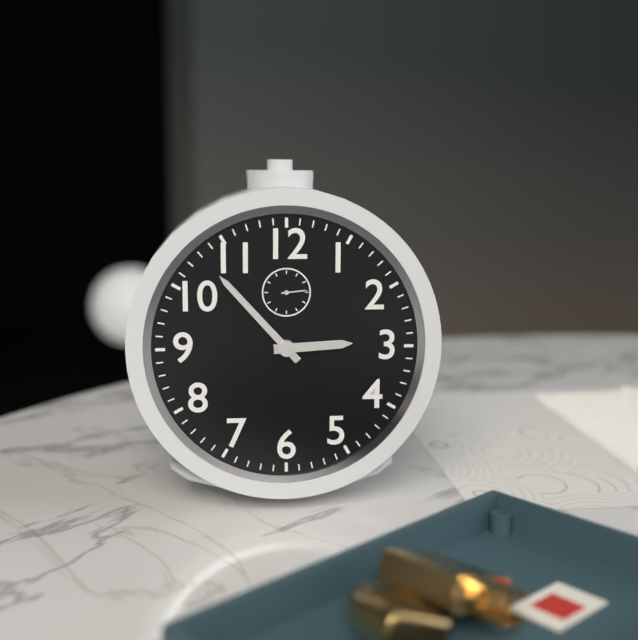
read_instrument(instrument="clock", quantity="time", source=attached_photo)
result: 2:53
